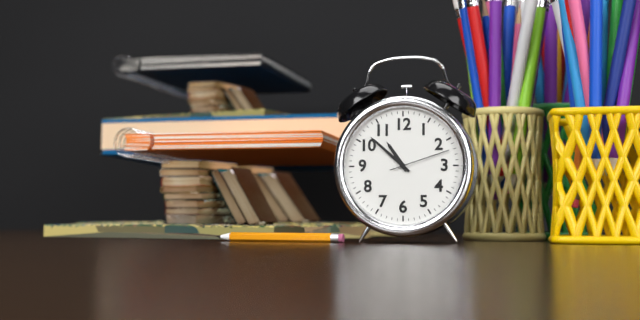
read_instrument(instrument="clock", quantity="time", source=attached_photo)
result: 10:52:12
